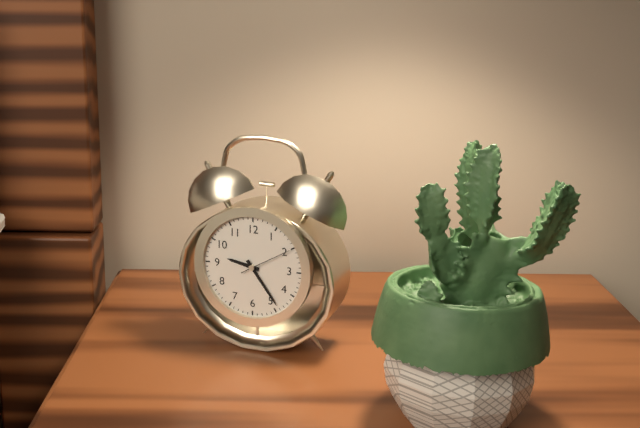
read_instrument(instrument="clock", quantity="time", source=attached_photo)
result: 9:24:10
